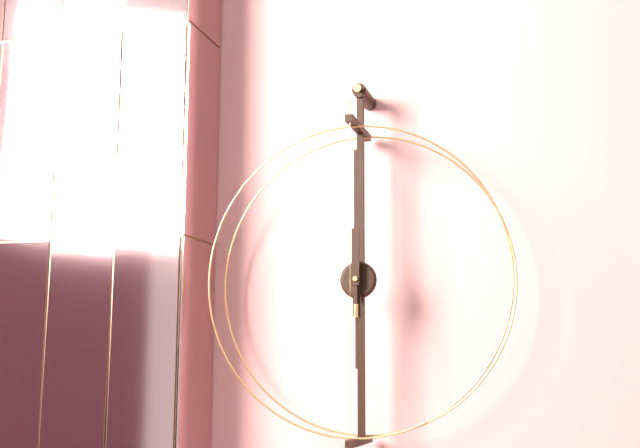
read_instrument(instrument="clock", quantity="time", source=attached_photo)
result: 6:00
